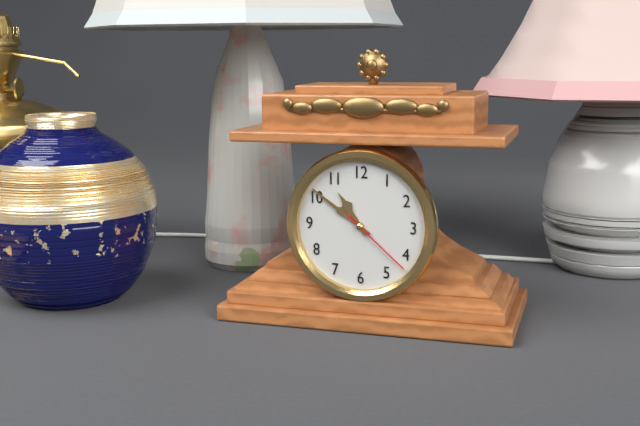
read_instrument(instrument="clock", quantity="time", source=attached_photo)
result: 10:51:22
